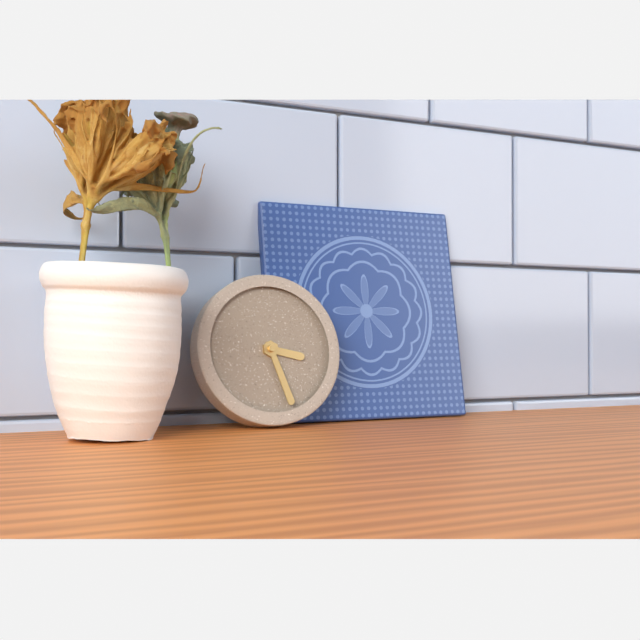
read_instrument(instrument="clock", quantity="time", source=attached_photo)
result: 3:27
